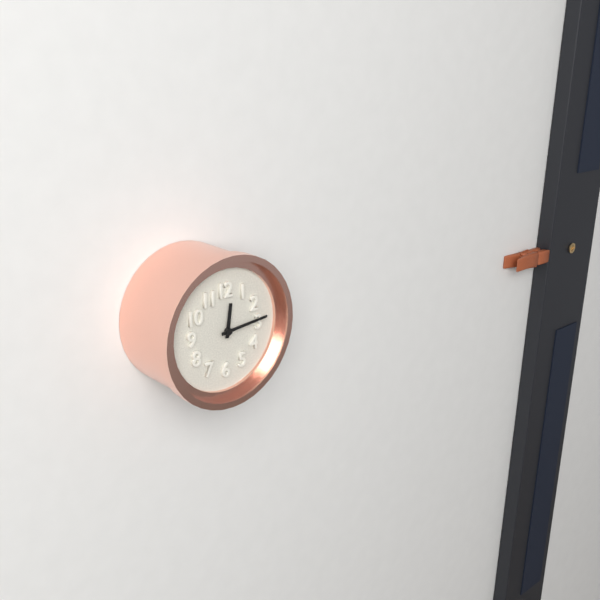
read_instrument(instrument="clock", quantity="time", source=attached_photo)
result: 12:14
